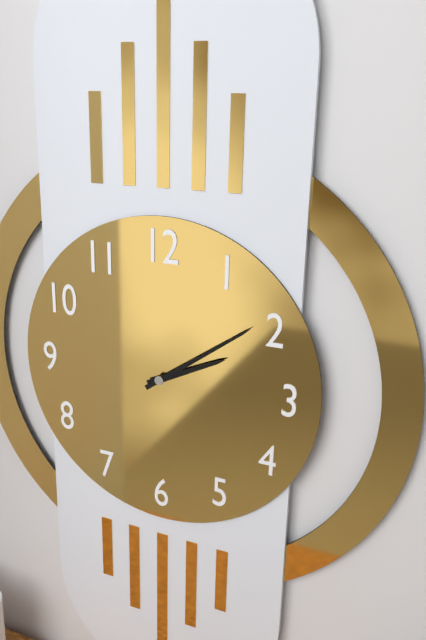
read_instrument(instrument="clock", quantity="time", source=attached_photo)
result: 2:09
